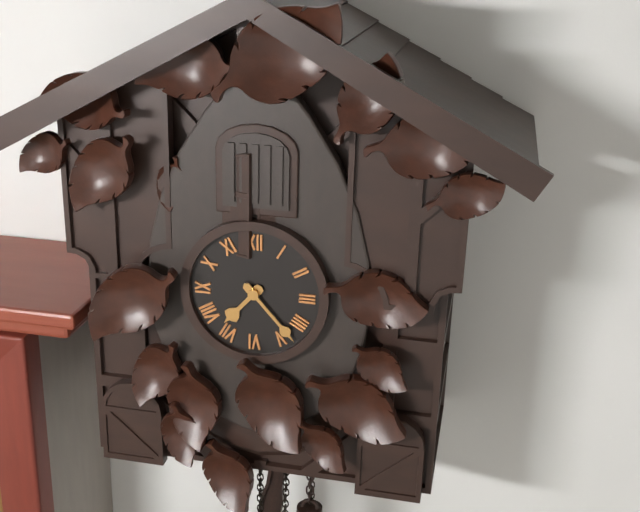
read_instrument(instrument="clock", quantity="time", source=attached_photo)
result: 7:23
